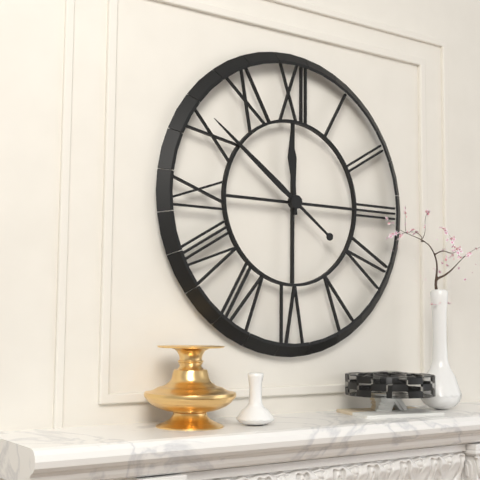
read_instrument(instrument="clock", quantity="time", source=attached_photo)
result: 11:51
